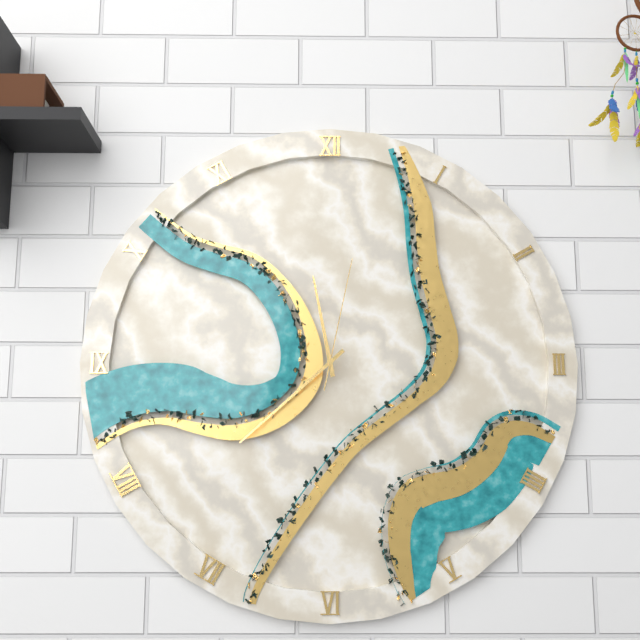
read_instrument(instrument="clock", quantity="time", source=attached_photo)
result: 11:38:02
